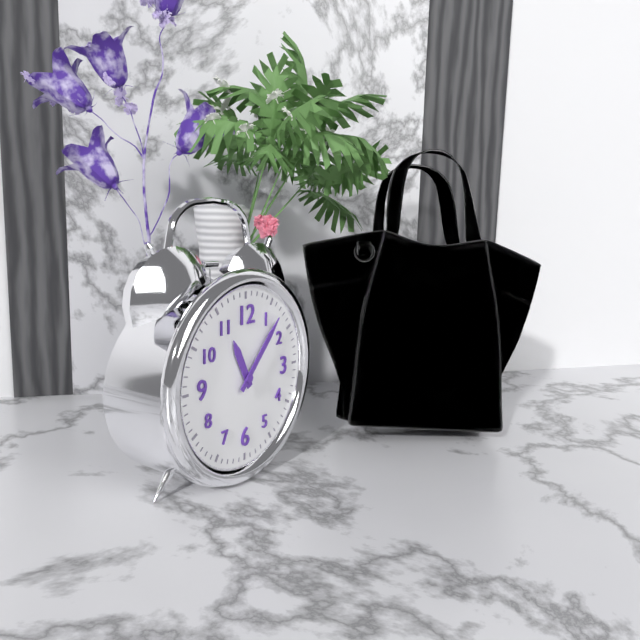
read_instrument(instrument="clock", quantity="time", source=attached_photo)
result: 11:07
